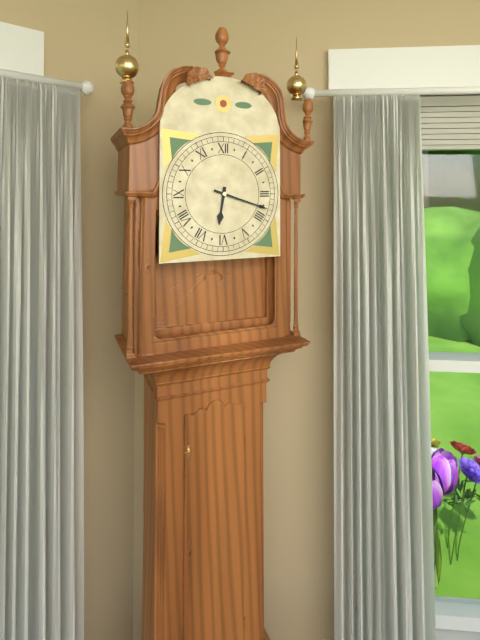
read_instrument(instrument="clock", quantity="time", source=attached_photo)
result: 6:18
